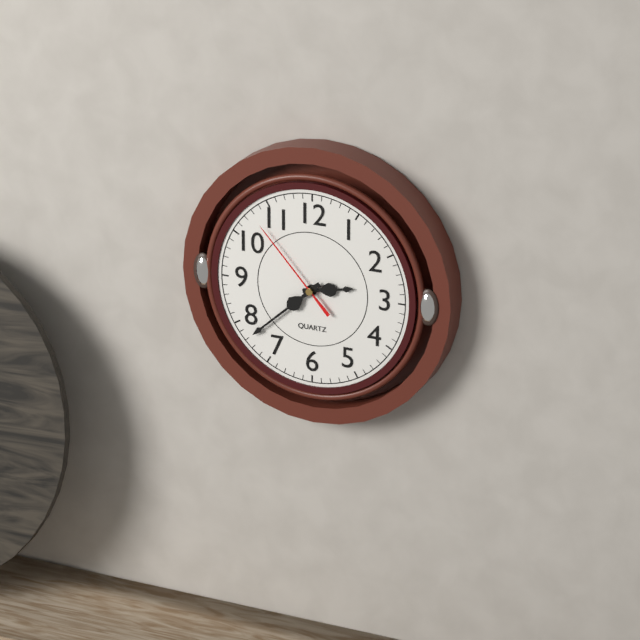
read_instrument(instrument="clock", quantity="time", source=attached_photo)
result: 2:38:53
